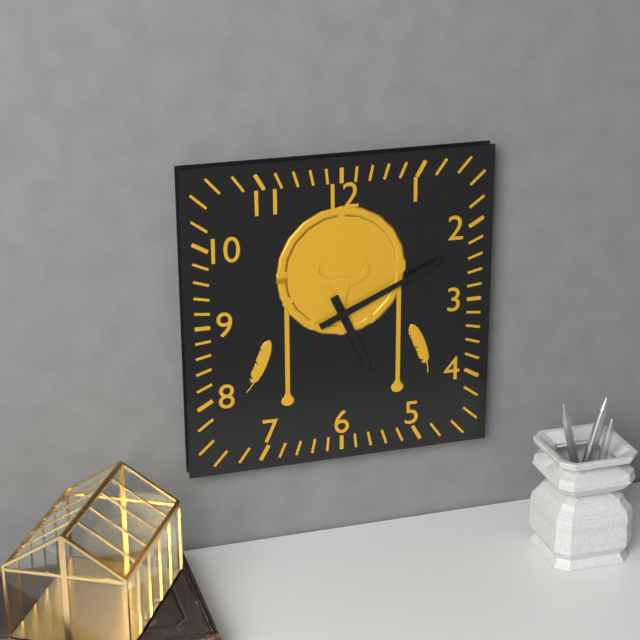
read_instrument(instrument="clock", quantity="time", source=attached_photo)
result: 5:11
